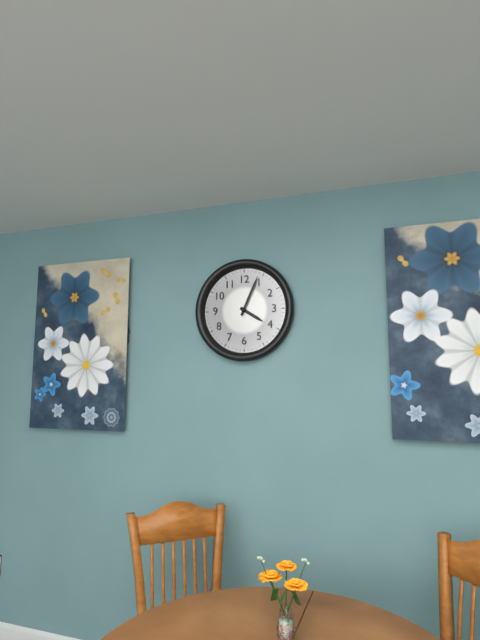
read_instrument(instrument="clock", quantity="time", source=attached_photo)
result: 4:04
